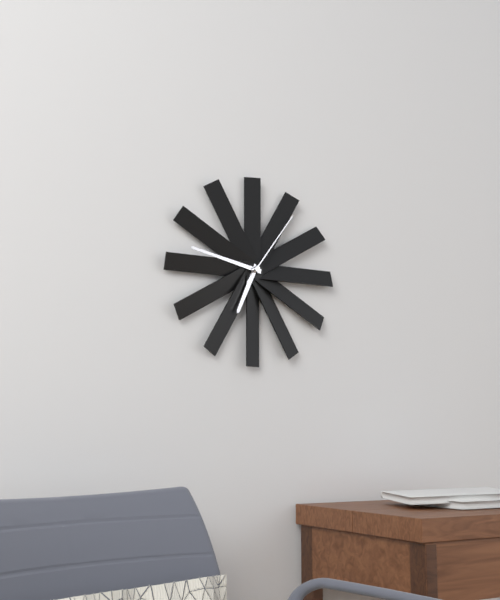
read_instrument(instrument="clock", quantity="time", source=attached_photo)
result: 6:47:06
